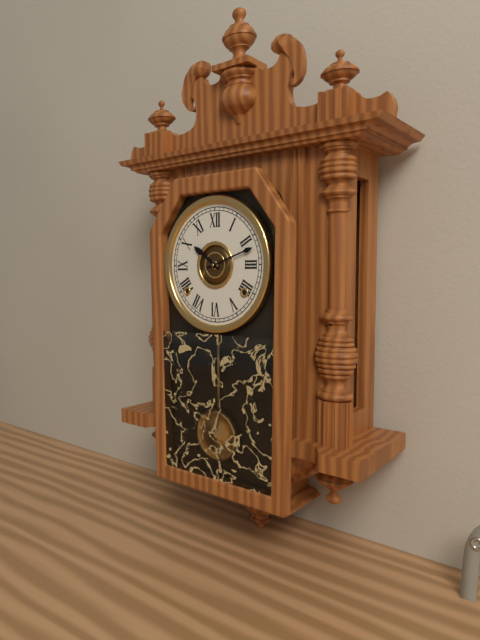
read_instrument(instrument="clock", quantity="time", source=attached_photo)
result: 10:12
